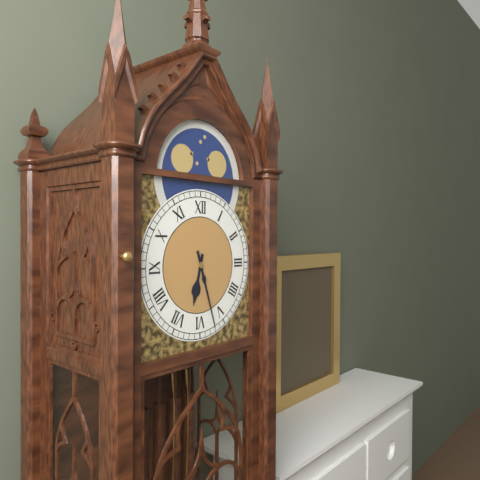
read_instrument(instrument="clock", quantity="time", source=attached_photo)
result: 6:27
